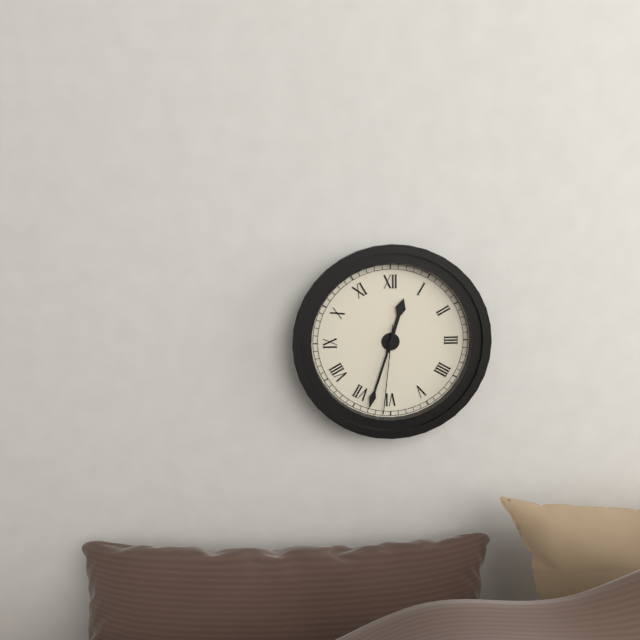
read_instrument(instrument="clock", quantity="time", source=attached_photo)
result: 12:33:31
